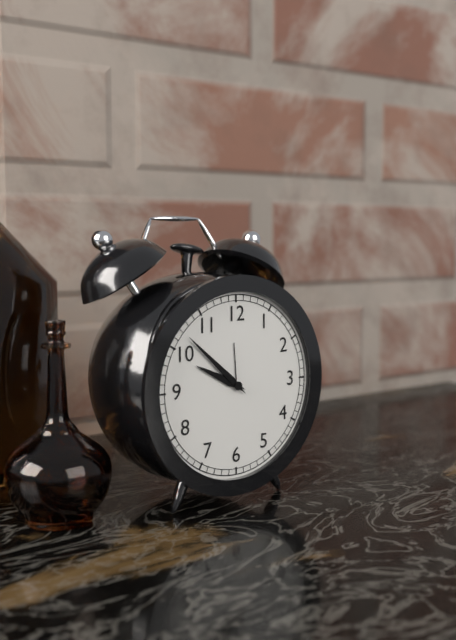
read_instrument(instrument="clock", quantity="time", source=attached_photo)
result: 9:52
